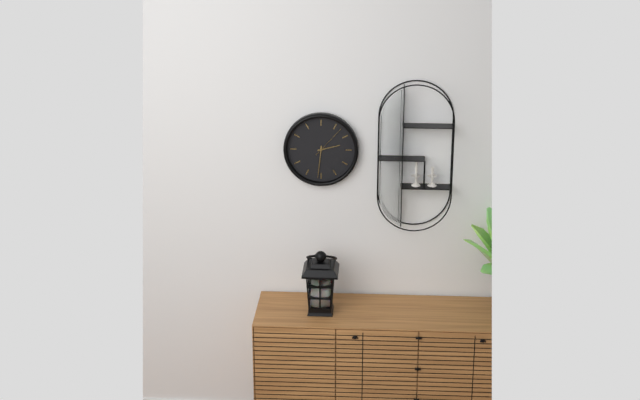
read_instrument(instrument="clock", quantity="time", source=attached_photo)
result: 2:31
